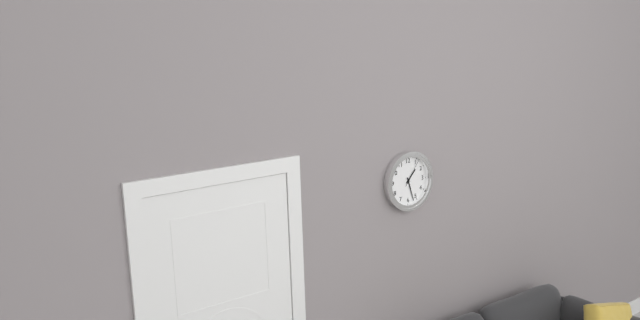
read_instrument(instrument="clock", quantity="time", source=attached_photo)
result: 1:27
